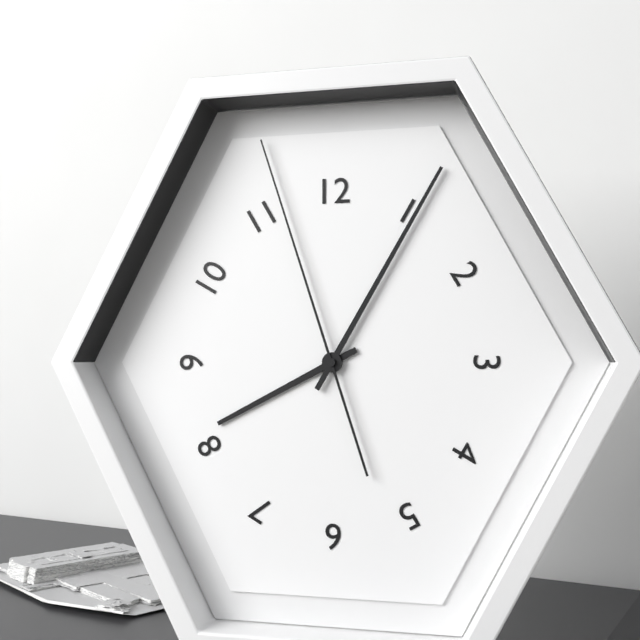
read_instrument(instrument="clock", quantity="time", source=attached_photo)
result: 8:05:57
